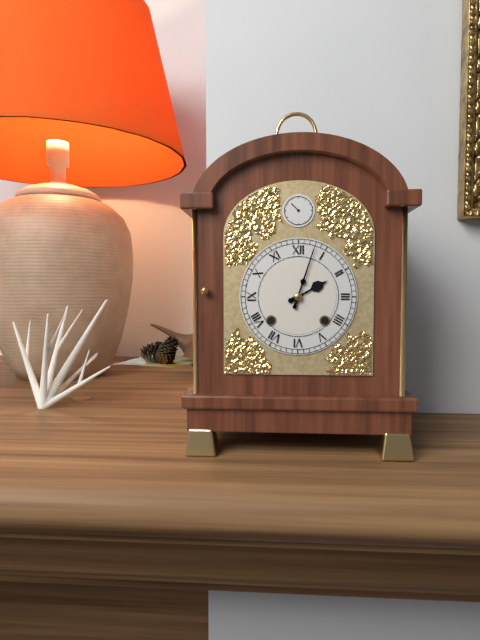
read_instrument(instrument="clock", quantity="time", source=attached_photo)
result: 2:03
